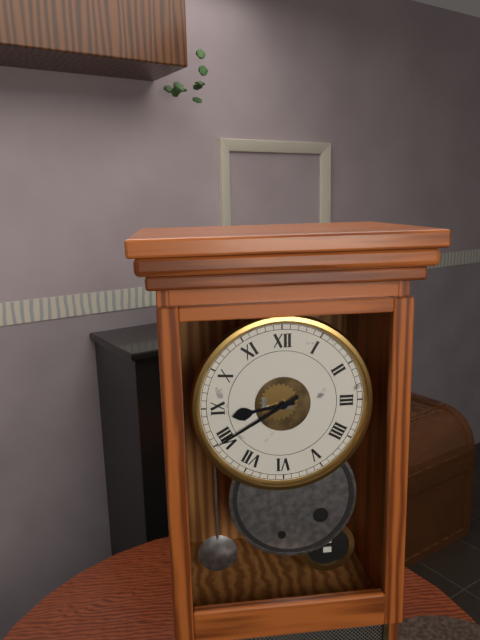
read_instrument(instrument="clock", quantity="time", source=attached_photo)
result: 8:40
